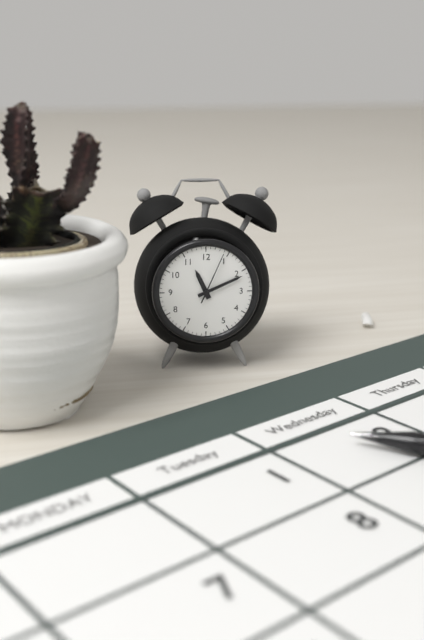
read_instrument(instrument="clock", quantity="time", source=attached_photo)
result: 11:11:04
